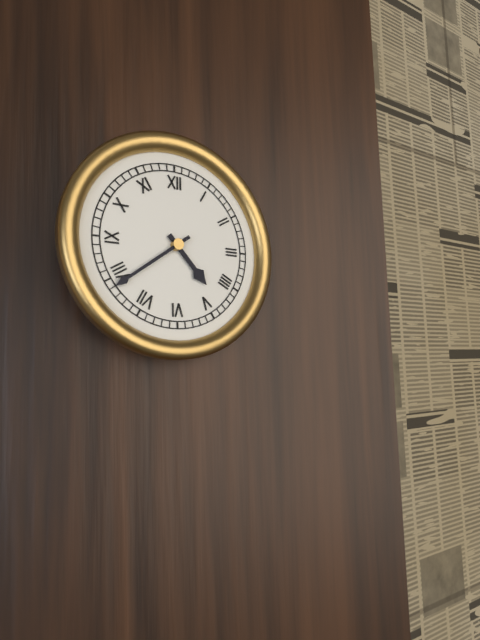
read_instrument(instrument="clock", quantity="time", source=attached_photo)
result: 4:39
